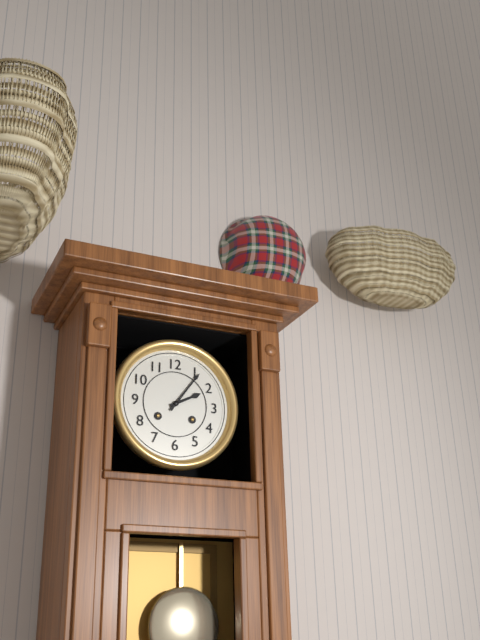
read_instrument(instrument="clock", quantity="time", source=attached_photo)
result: 2:06
